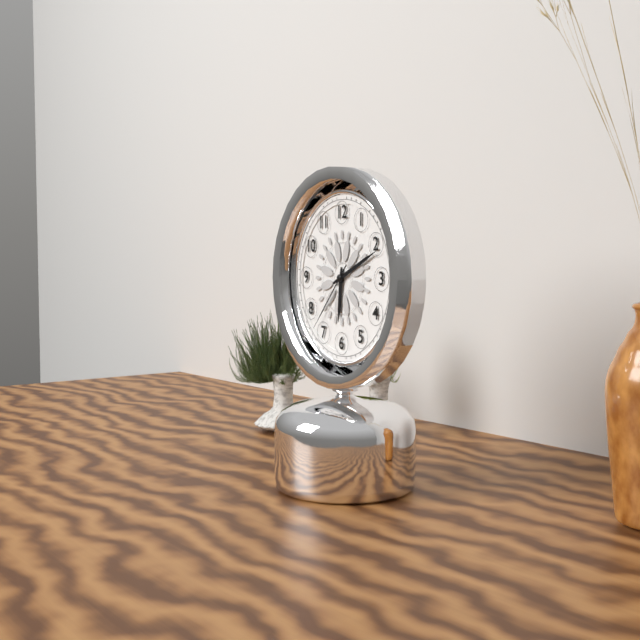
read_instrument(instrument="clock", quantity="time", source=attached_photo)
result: 6:11:37
